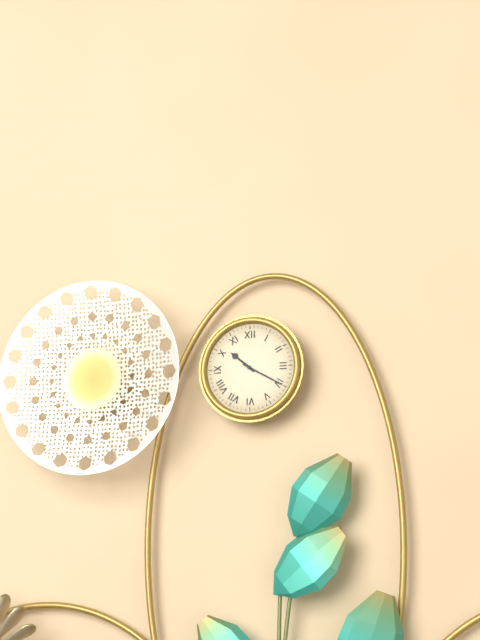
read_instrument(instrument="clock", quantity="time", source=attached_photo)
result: 10:20
